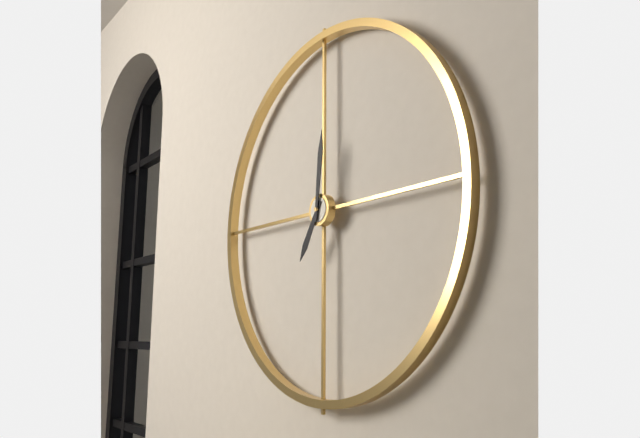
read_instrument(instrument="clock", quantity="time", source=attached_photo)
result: 7:01
